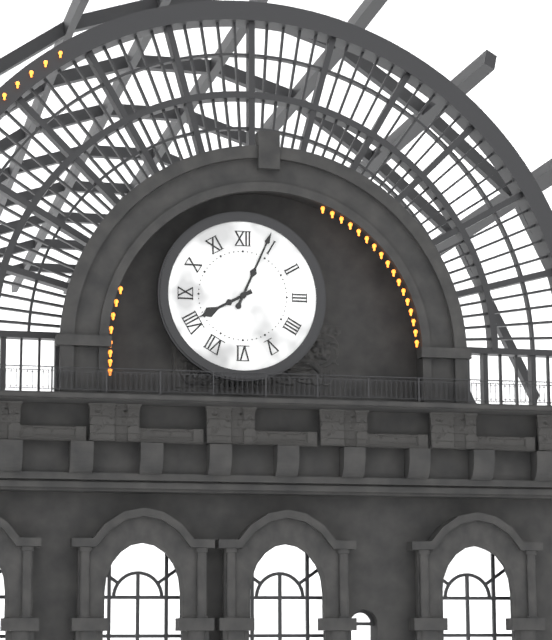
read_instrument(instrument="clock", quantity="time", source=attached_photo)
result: 8:04
